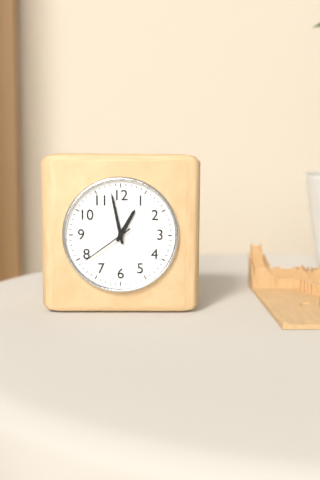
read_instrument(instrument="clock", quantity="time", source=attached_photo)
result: 12:58:39
